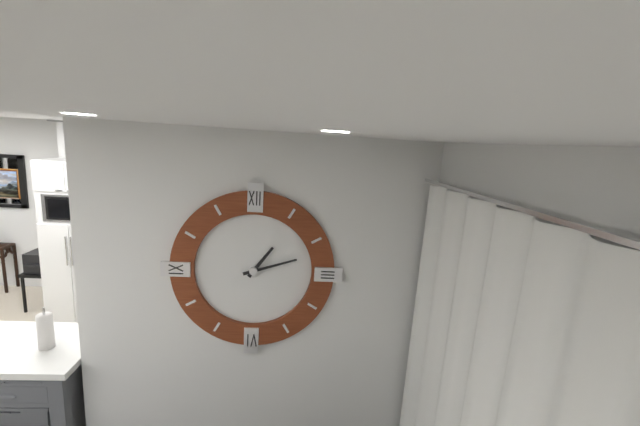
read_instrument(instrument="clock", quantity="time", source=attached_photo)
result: 1:12
